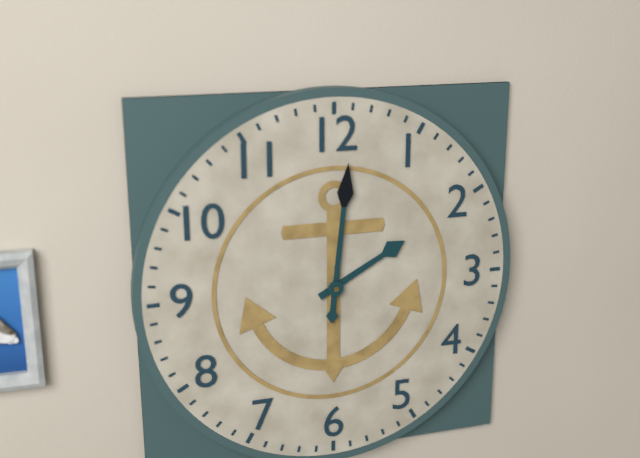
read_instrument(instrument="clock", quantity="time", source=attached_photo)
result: 2:01
